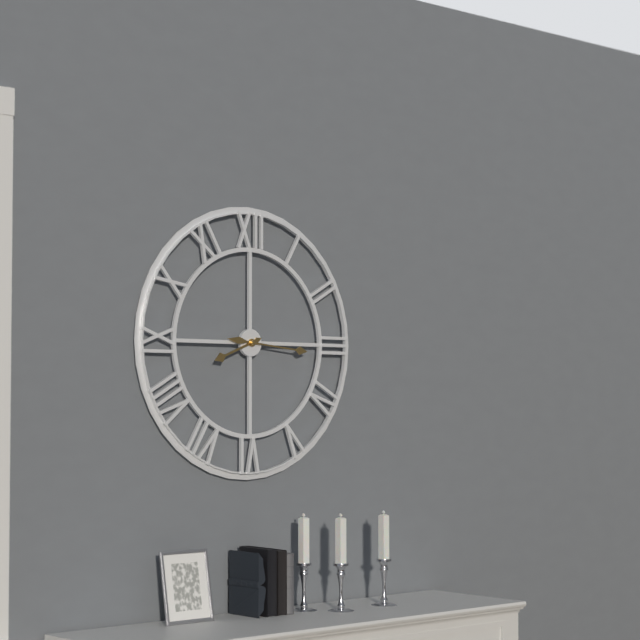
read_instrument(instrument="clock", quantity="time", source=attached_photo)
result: 8:16
